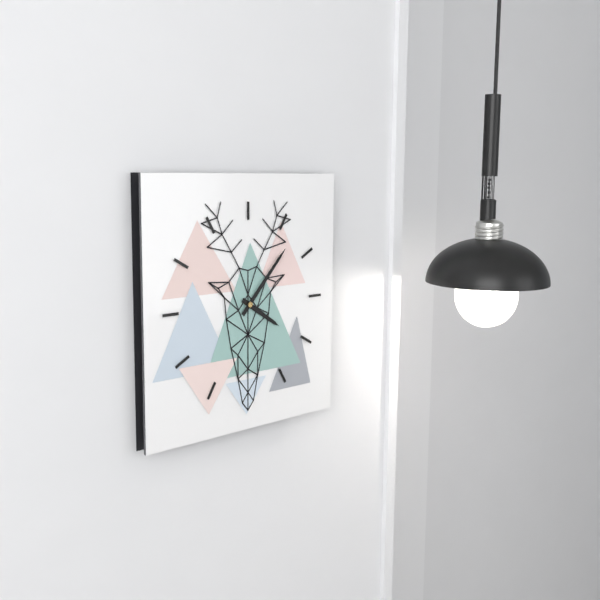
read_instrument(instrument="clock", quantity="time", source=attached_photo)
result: 4:07
